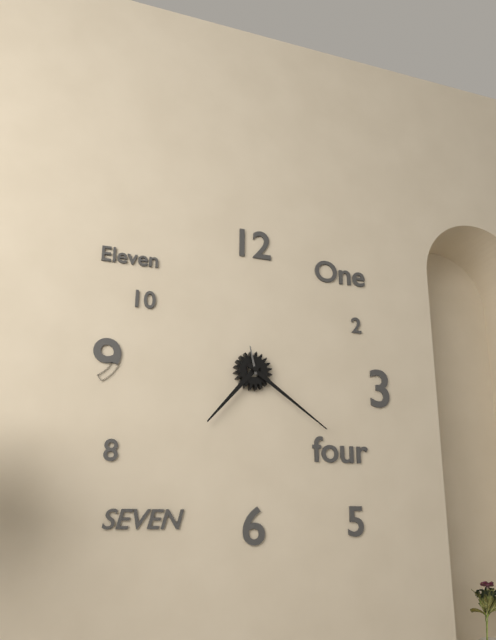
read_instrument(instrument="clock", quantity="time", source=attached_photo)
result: 7:21
